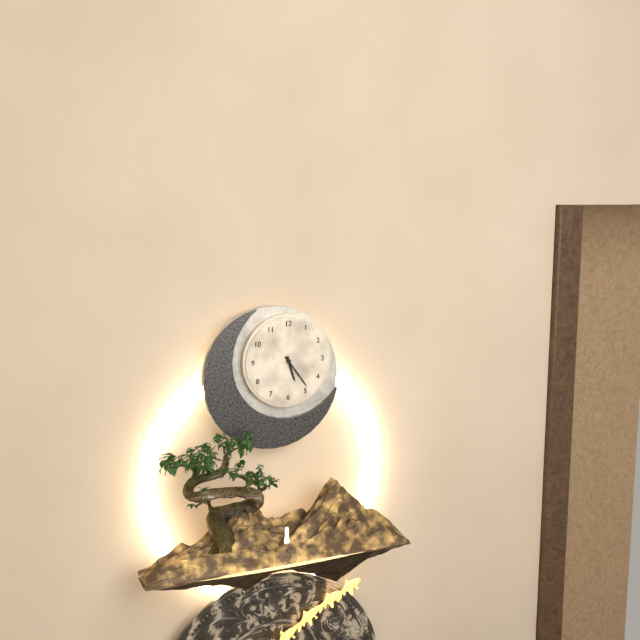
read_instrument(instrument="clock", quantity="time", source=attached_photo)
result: 5:24
